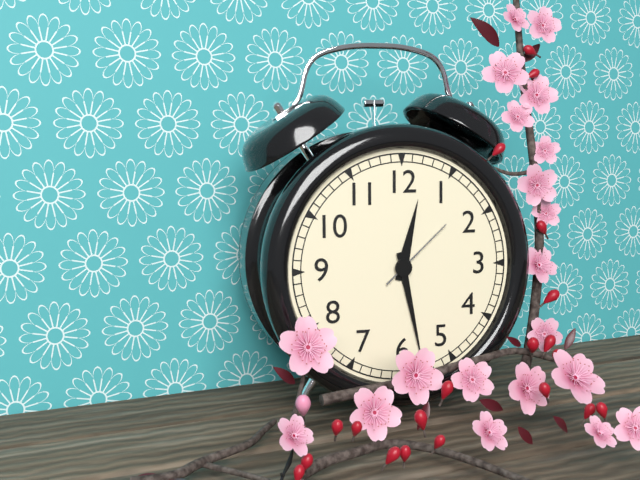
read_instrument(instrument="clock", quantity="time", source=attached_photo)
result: 12:28:08
